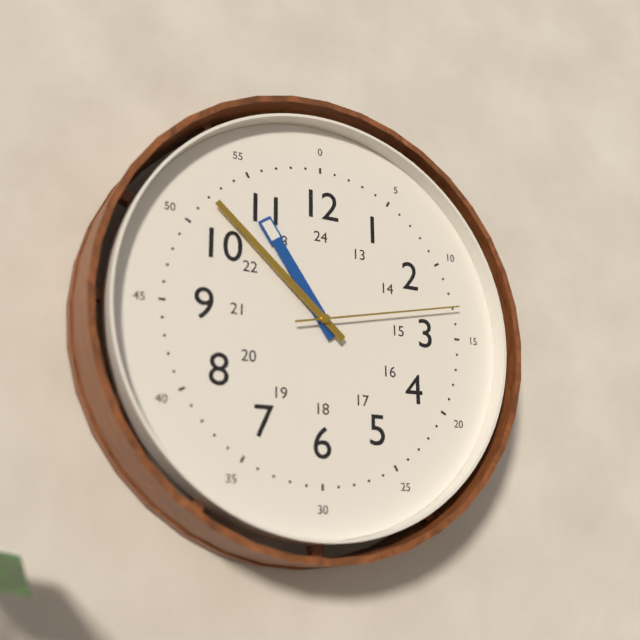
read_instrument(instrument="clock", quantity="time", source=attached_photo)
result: 10:52:13
